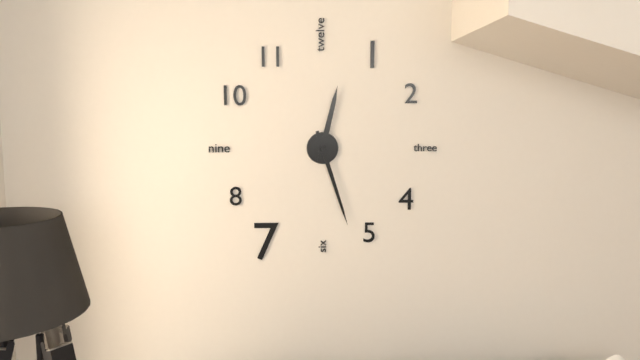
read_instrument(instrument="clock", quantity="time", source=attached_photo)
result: 12:27
